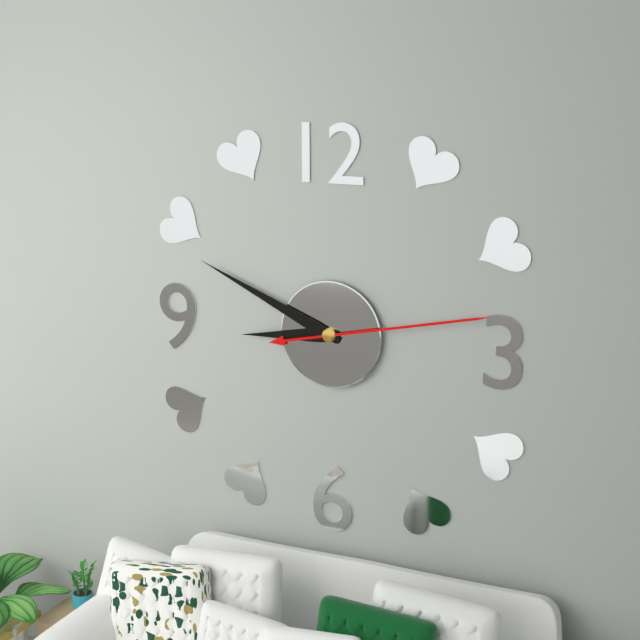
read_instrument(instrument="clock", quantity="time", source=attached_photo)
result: 8:49:13
